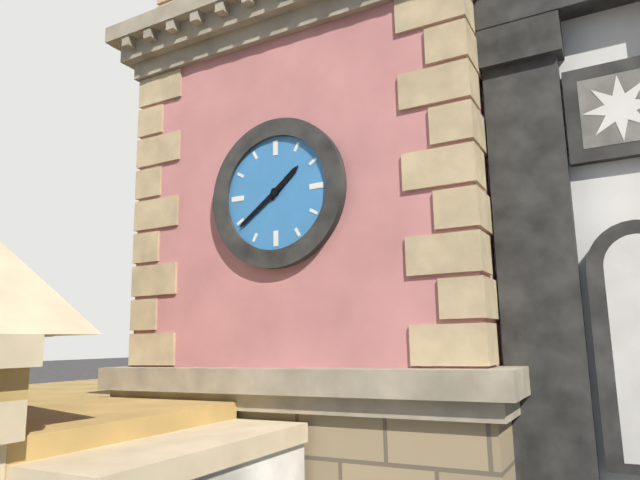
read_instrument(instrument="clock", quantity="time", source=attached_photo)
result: 1:39
